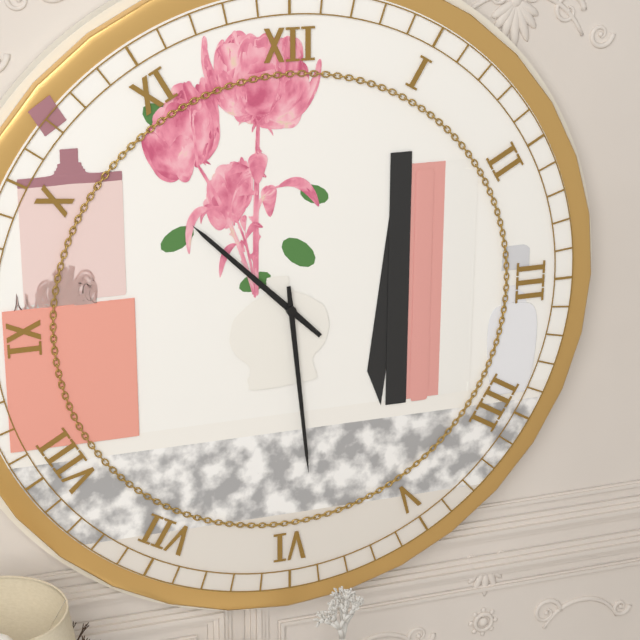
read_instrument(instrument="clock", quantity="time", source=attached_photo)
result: 10:29
